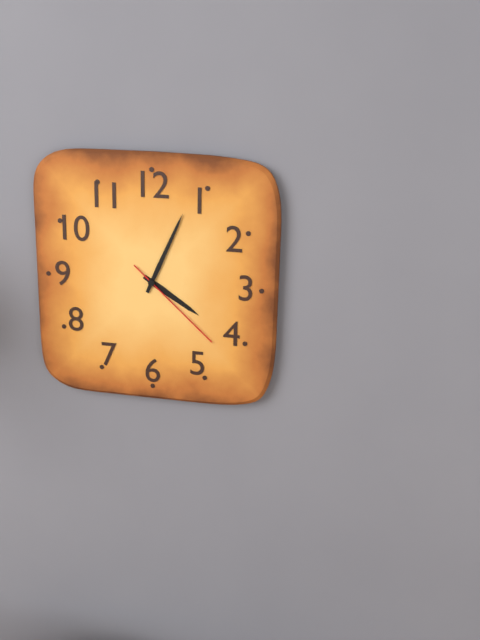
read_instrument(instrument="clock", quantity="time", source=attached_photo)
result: 4:04:22
